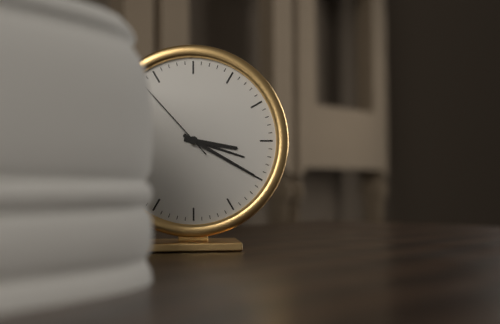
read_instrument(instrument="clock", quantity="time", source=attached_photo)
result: 3:20:53
